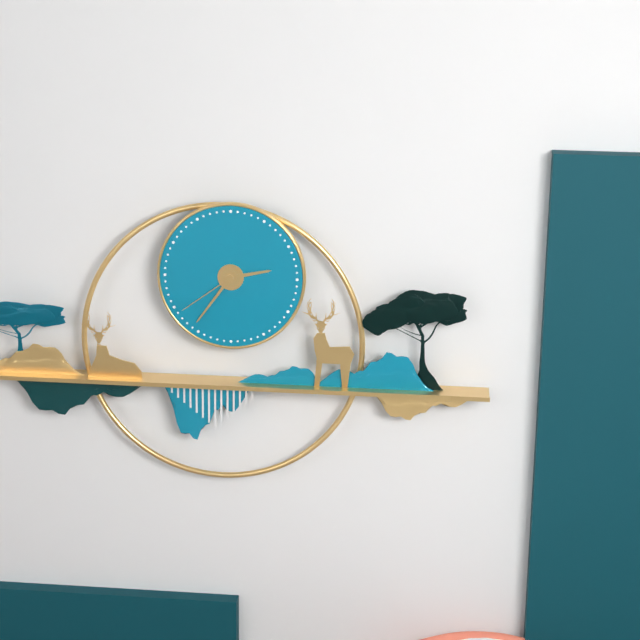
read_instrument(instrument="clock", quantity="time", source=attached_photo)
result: 2:36:39
